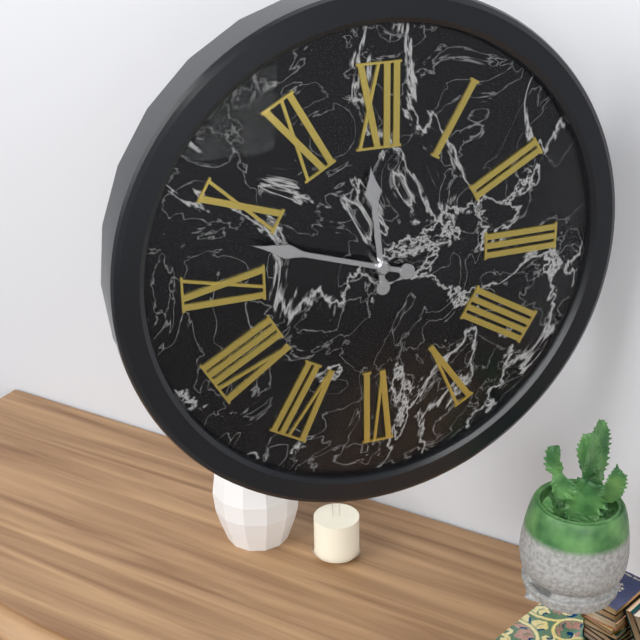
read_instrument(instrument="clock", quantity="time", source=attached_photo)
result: 11:48
